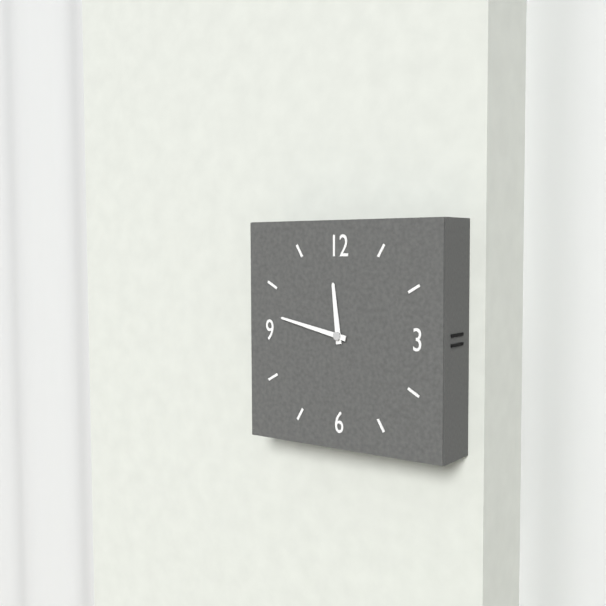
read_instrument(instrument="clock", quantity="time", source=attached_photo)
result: 11:47
